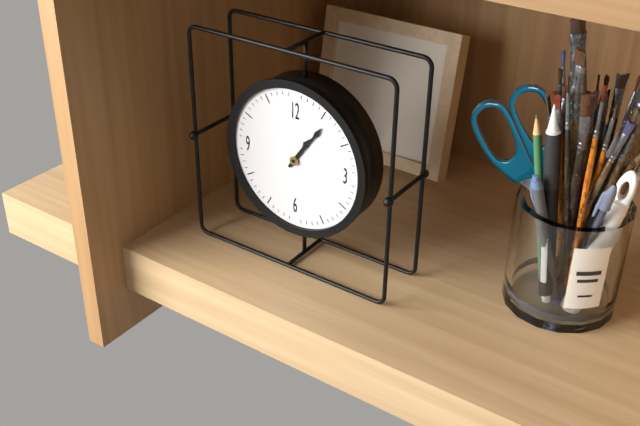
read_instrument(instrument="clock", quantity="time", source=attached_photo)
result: 1:06
